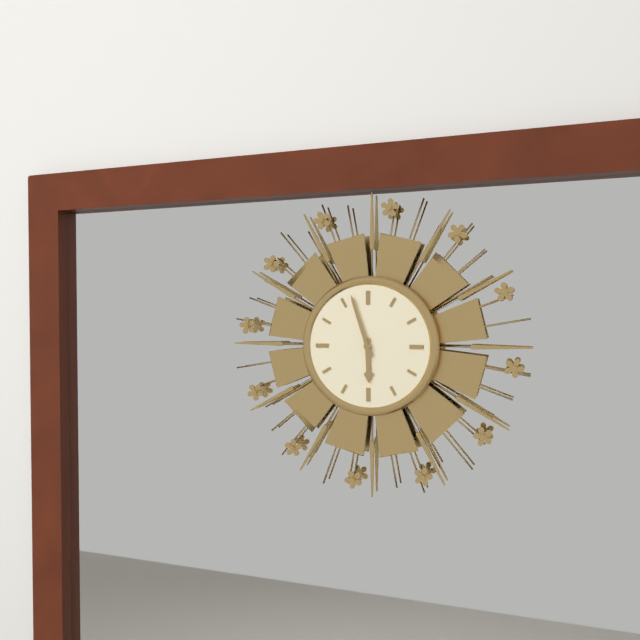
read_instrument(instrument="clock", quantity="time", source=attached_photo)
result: 5:57
